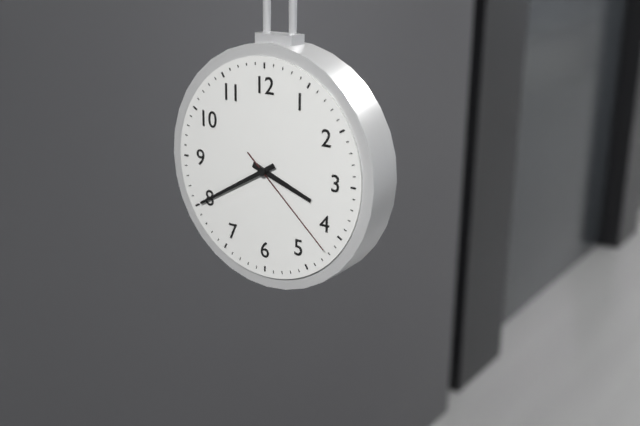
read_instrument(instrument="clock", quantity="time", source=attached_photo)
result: 3:40:22
